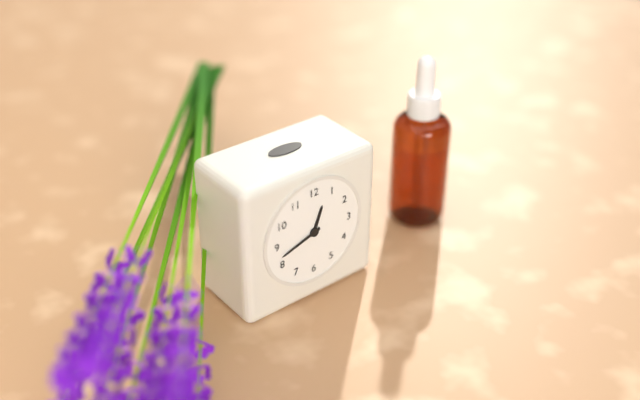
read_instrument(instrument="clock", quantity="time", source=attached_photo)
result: 12:42
